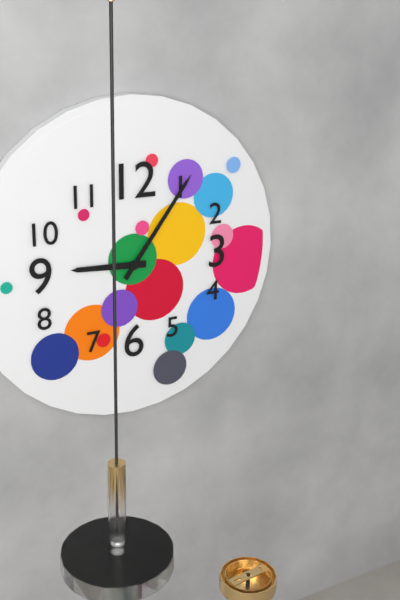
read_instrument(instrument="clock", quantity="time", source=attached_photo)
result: 9:06
